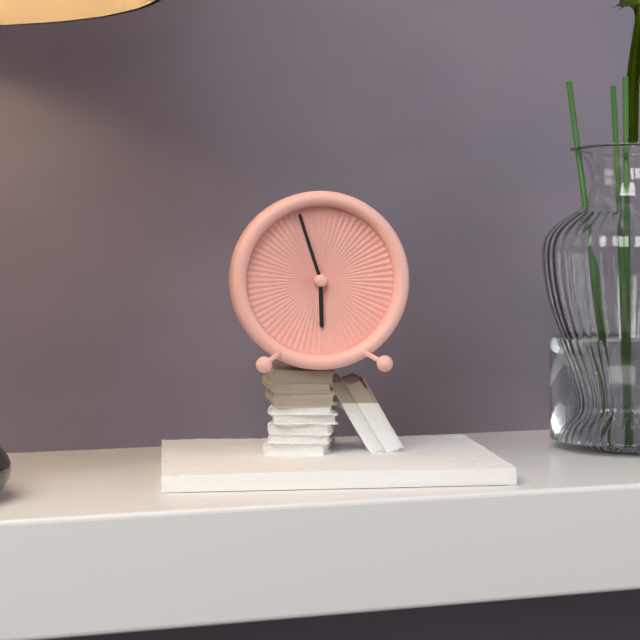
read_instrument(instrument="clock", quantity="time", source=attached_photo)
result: 5:57
